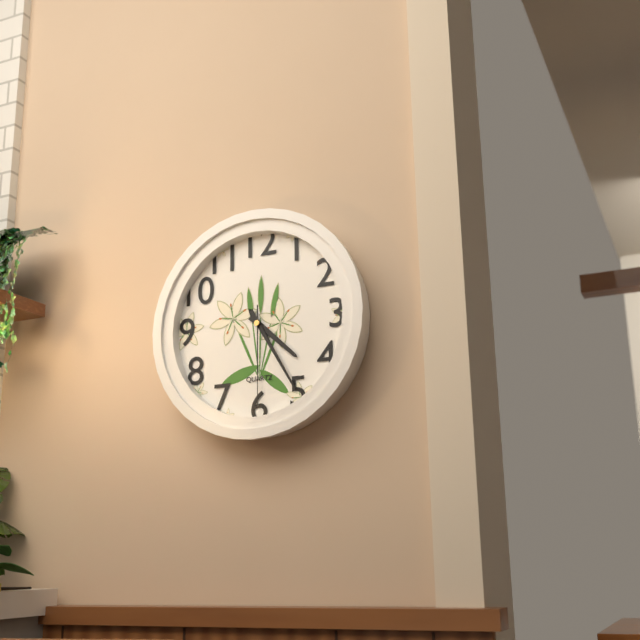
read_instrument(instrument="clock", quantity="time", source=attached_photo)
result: 4:25:30
